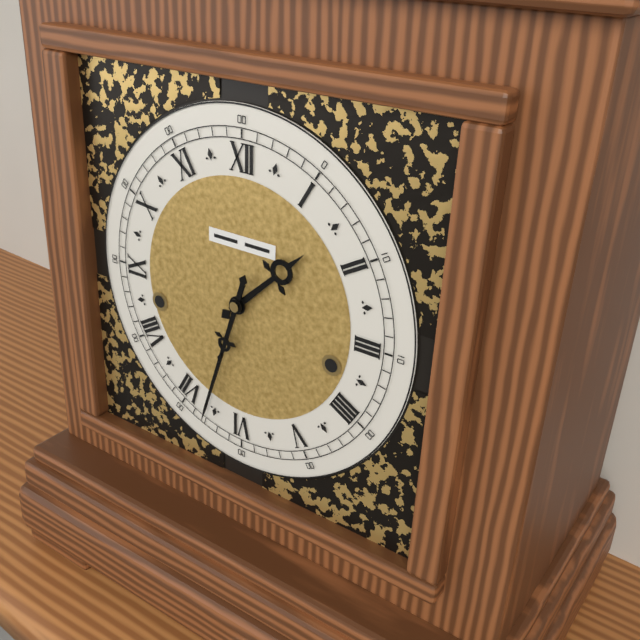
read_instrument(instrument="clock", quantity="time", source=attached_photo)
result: 1:33
